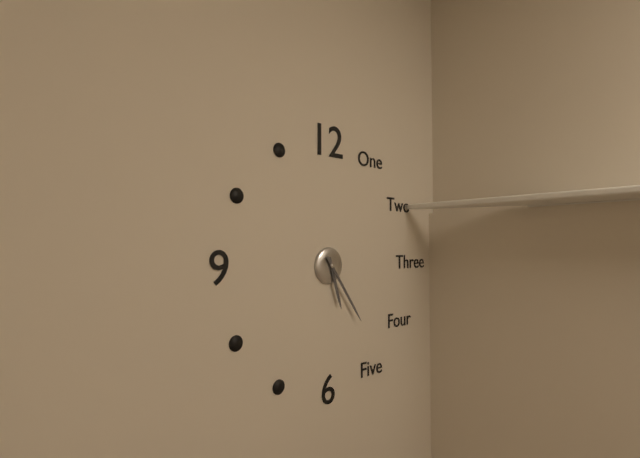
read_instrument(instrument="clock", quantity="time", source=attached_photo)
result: 5:24
